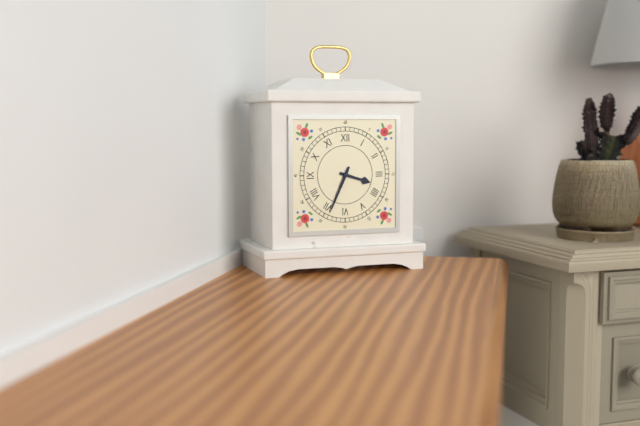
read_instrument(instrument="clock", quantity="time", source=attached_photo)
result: 3:34
